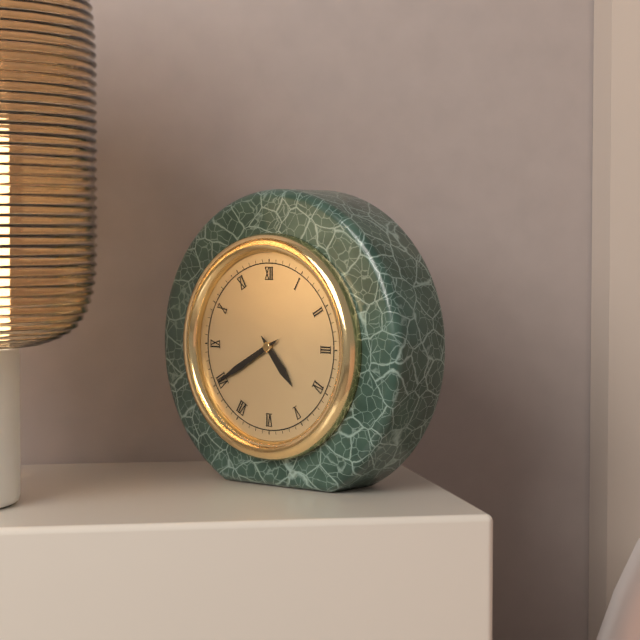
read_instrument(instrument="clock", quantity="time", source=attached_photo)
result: 4:40
